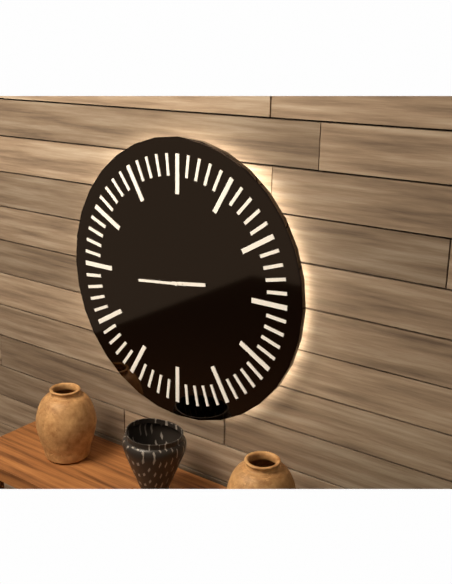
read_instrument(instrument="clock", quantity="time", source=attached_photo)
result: 2:44
